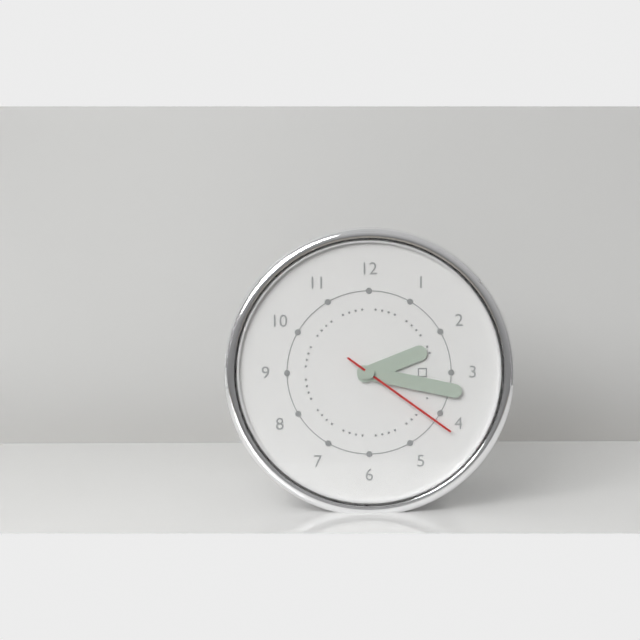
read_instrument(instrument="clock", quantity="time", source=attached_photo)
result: 2:17:21
